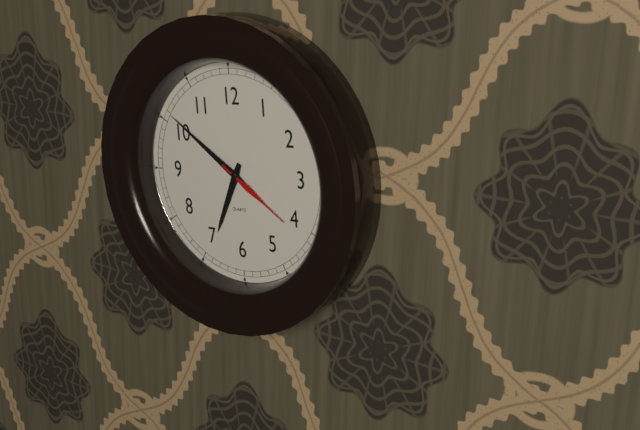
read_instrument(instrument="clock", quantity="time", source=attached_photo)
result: 6:51:21
